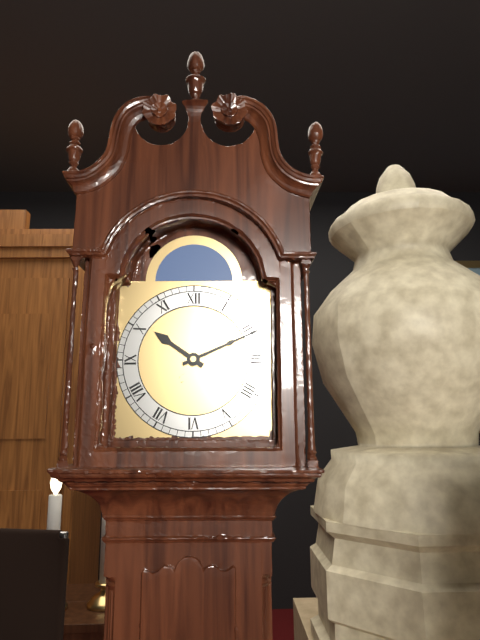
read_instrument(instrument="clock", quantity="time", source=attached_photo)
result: 10:11
